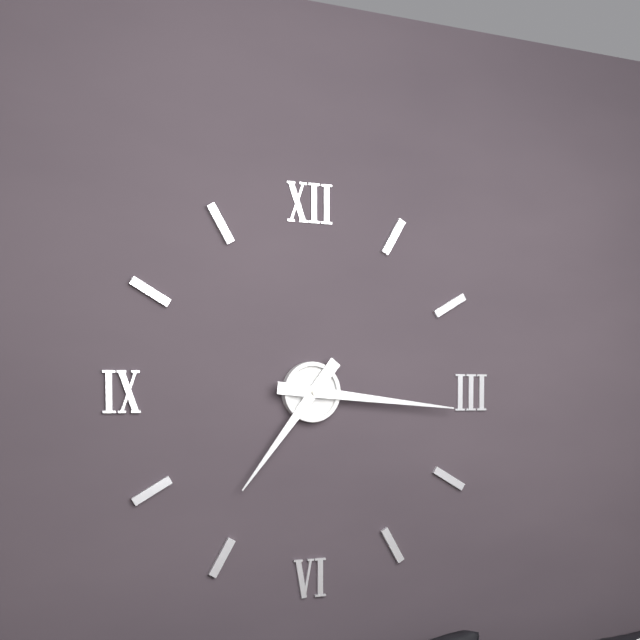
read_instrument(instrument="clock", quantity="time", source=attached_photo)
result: 7:16
